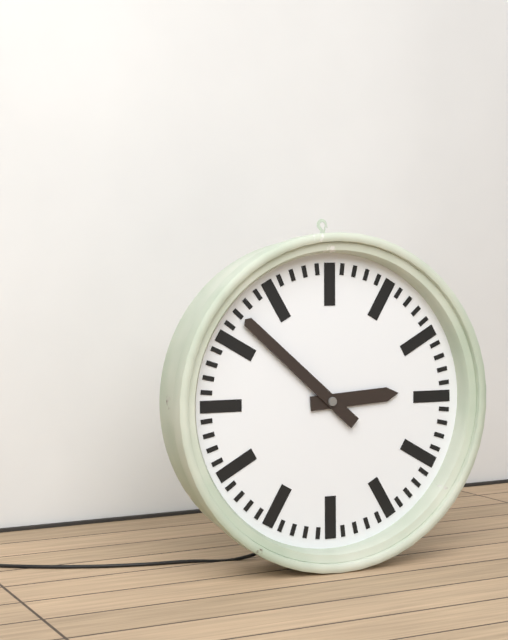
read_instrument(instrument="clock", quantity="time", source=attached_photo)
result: 2:52
